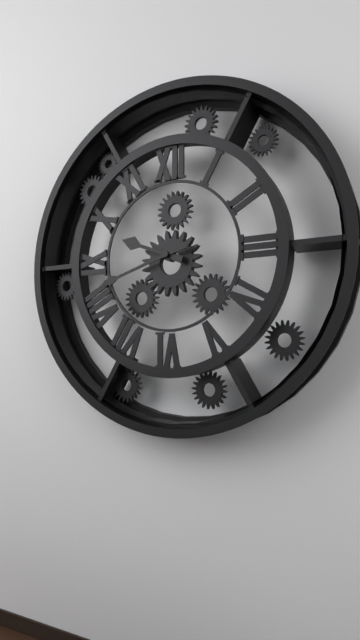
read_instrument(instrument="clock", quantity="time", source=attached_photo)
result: 9:42
